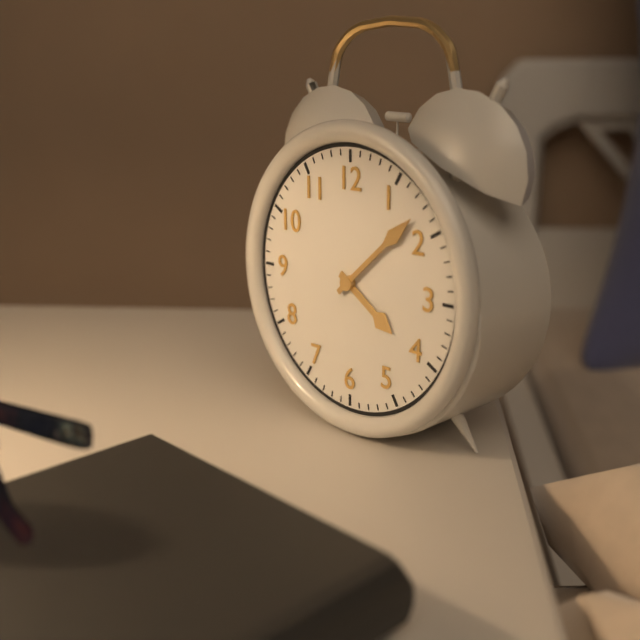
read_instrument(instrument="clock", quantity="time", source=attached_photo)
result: 4:08
